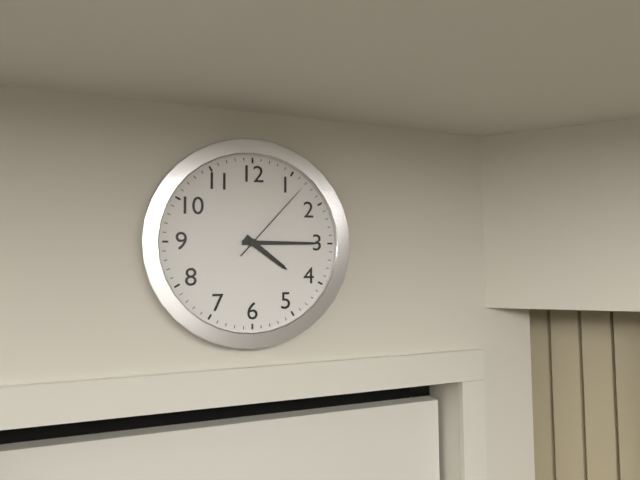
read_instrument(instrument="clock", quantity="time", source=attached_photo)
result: 4:15:07
